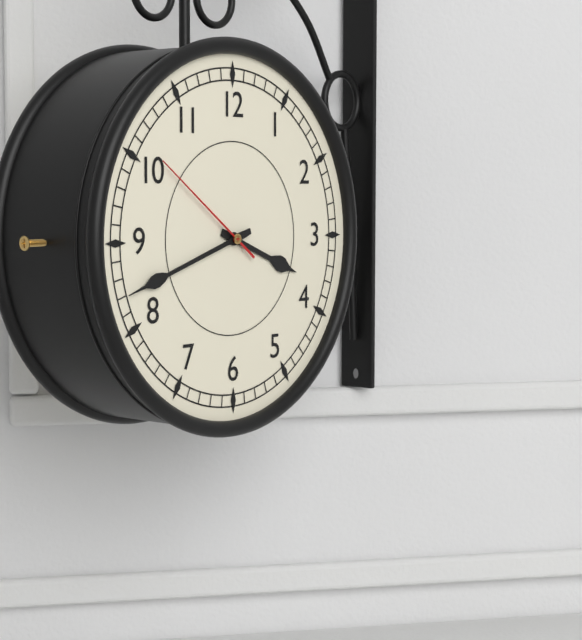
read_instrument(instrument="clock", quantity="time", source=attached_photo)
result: 3:42:51
